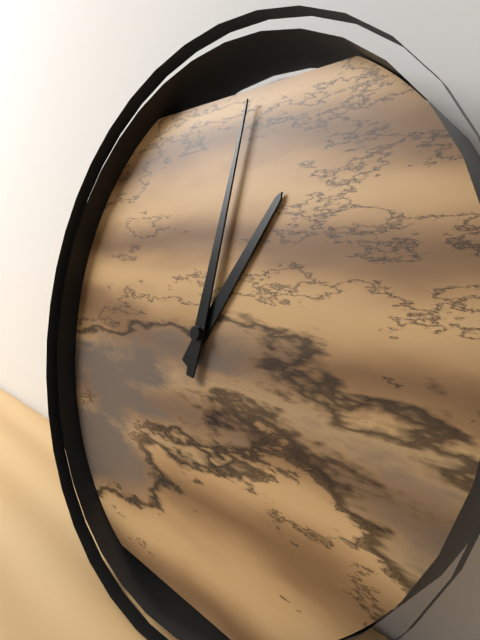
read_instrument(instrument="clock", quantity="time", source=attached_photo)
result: 1:01
